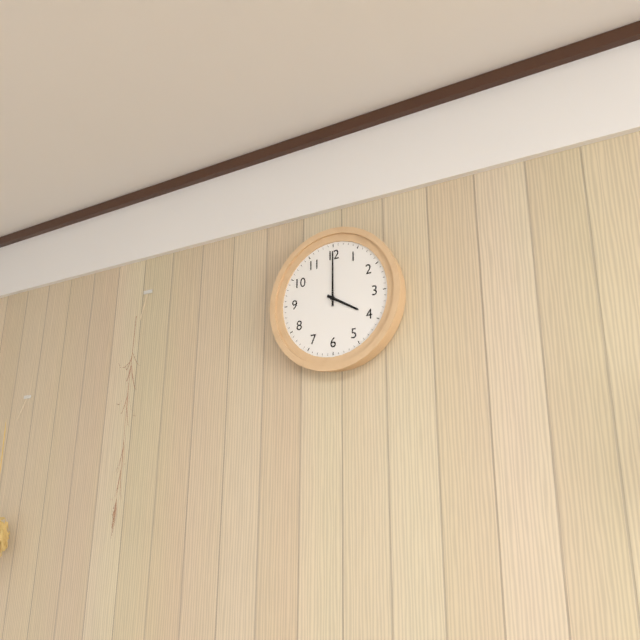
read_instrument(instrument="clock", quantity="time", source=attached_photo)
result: 4:00
